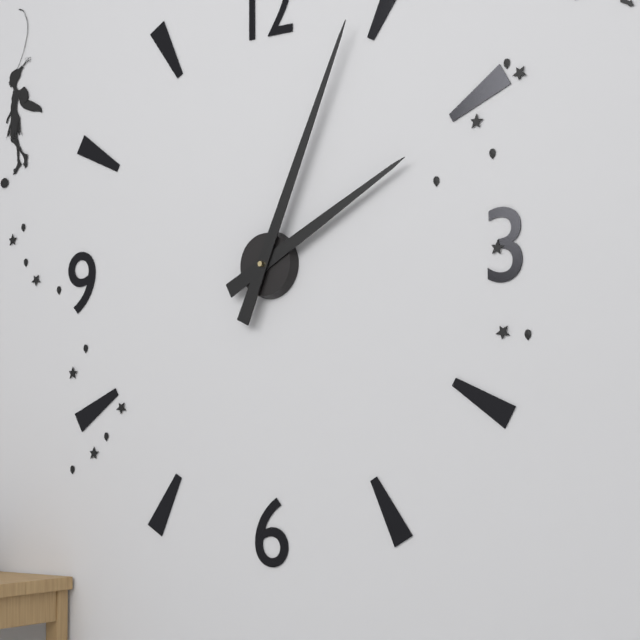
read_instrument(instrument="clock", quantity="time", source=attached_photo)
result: 2:04
